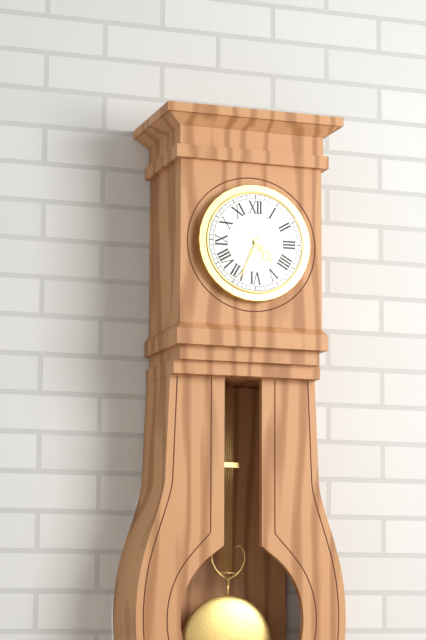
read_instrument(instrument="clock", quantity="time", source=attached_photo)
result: 4:34
